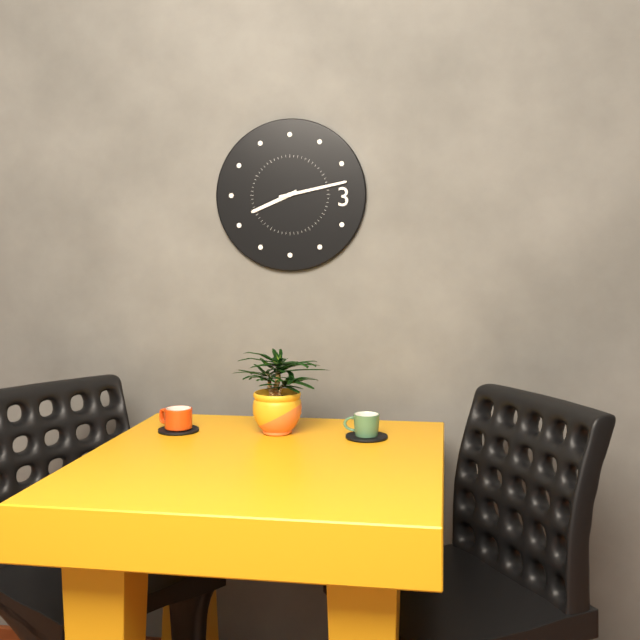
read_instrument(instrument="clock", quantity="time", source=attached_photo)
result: 8:13
